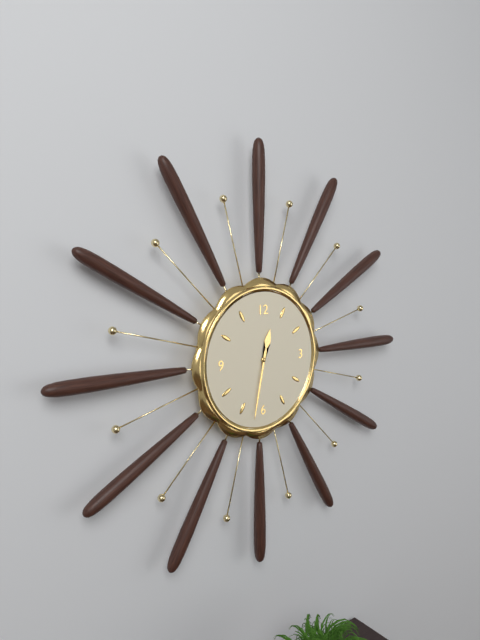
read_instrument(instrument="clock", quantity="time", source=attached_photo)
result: 12:32
